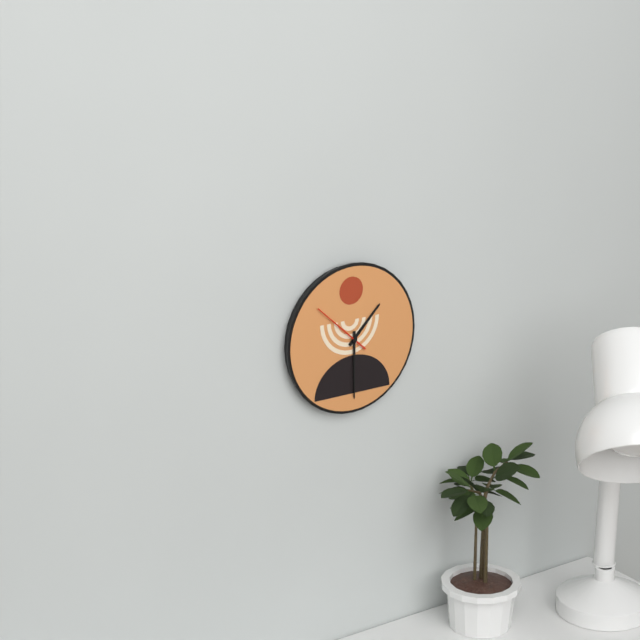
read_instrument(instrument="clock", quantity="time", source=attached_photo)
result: 1:30:52
